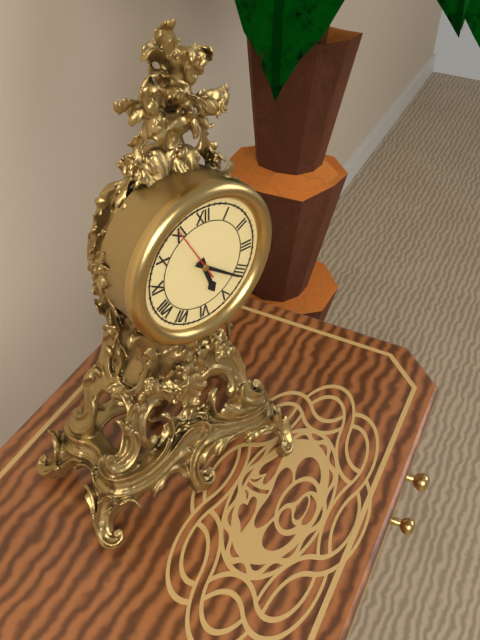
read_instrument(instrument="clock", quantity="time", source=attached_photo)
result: 5:21:55
